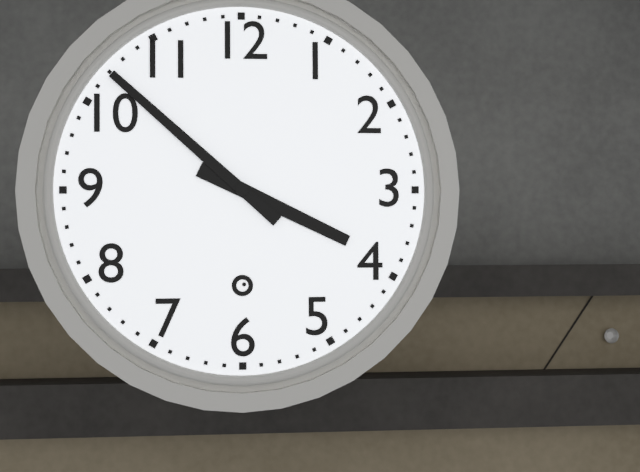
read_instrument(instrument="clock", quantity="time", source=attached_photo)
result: 3:52
